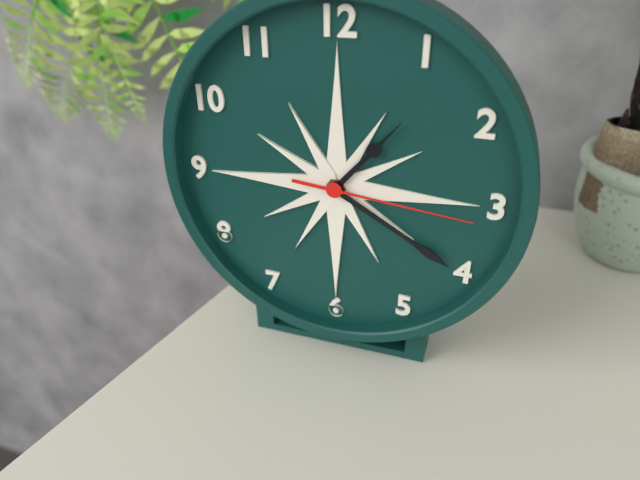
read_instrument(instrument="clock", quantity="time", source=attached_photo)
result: 1:20:16
